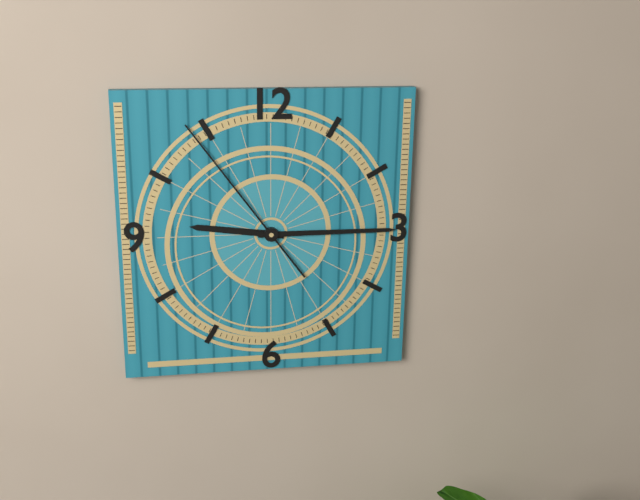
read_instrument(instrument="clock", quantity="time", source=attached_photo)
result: 9:15:54
